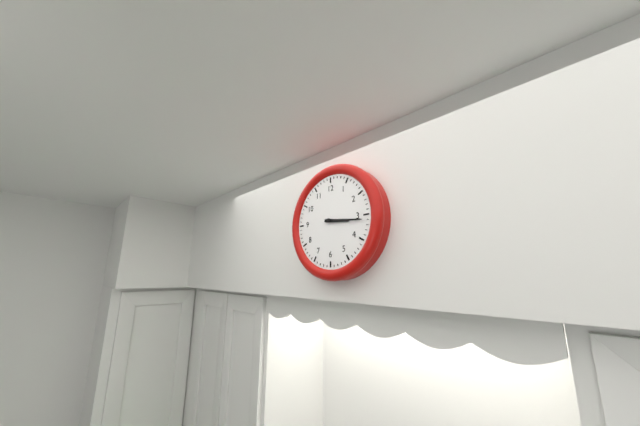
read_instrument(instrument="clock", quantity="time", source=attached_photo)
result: 3:16
